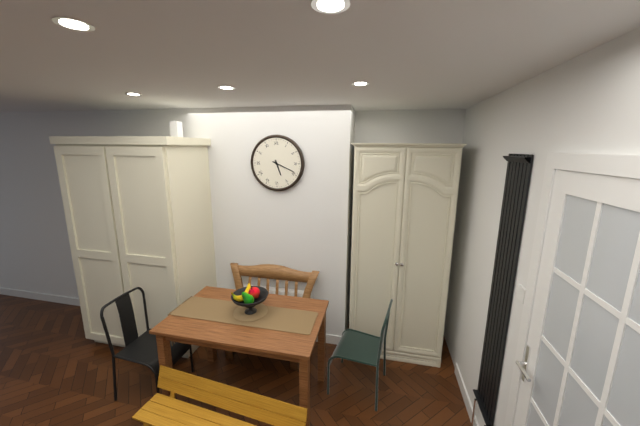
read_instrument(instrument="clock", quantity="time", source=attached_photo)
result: 5:19
